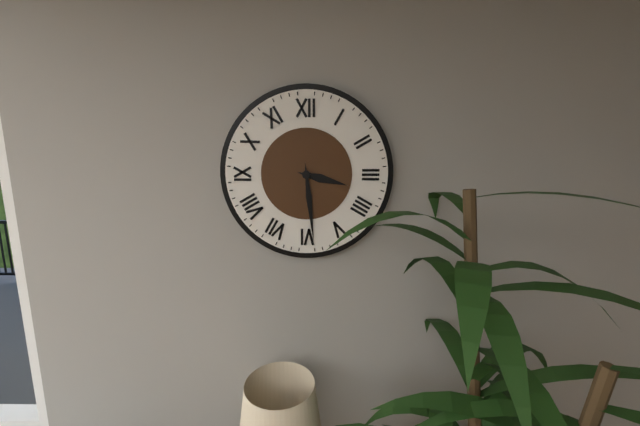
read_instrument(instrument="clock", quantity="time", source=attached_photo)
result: 3:29
